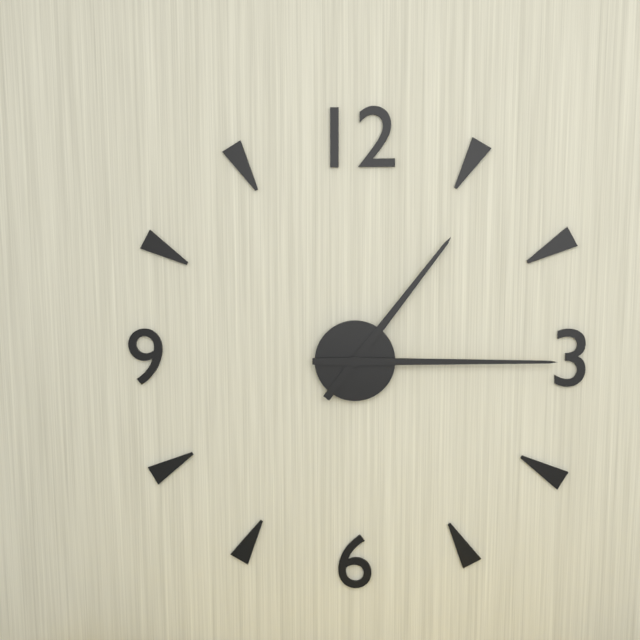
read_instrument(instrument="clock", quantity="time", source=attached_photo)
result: 1:15
